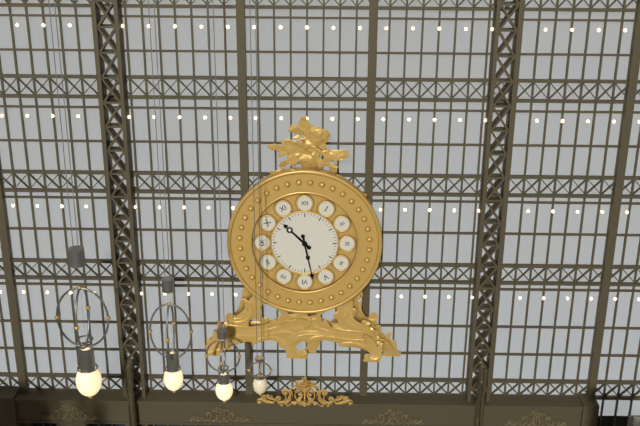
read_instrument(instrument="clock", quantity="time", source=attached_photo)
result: 10:28
